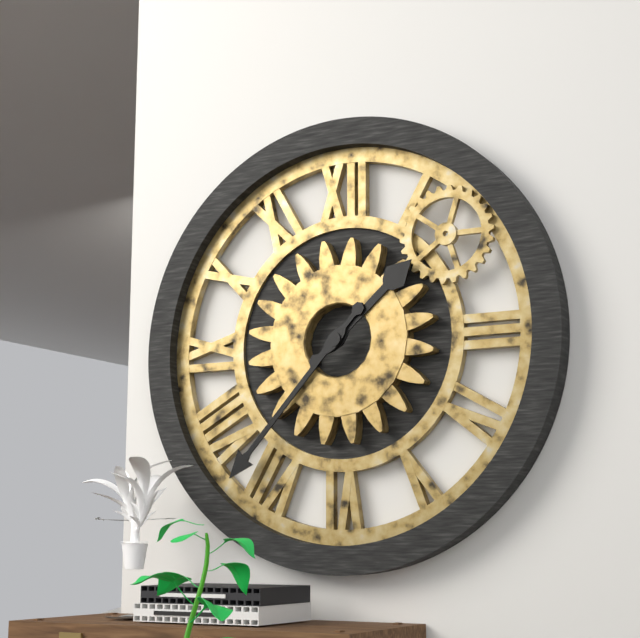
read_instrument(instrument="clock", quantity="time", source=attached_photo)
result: 1:37
